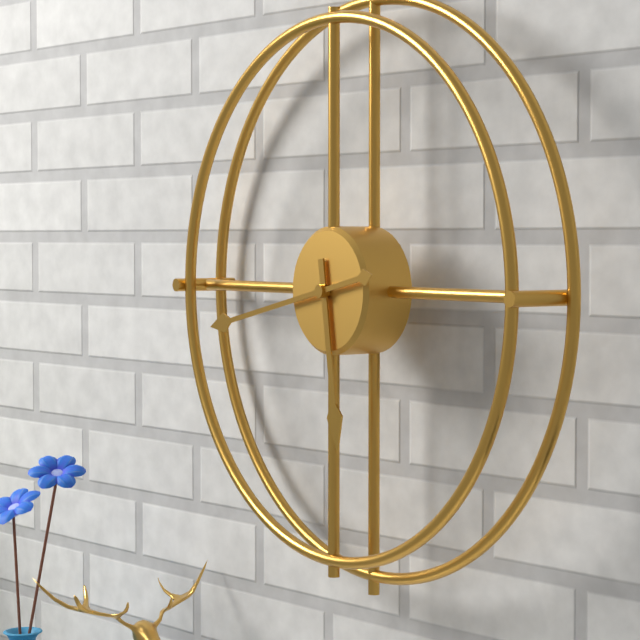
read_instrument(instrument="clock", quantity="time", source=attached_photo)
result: 5:43
